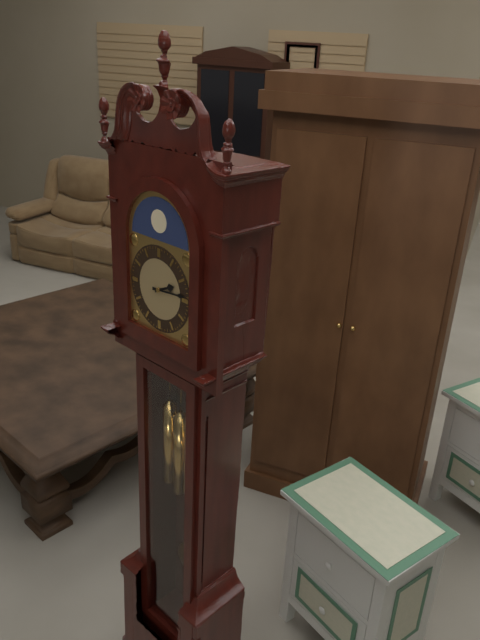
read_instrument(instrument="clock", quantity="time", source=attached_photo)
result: 2:14
